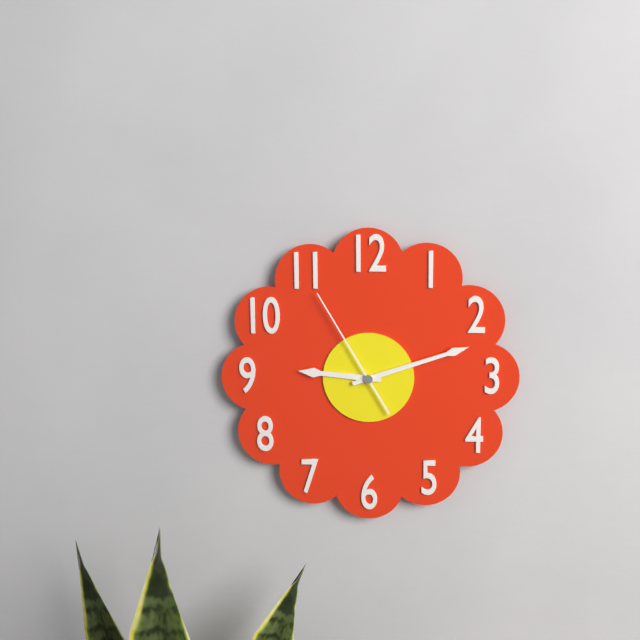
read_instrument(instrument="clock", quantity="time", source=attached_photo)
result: 9:12:55
